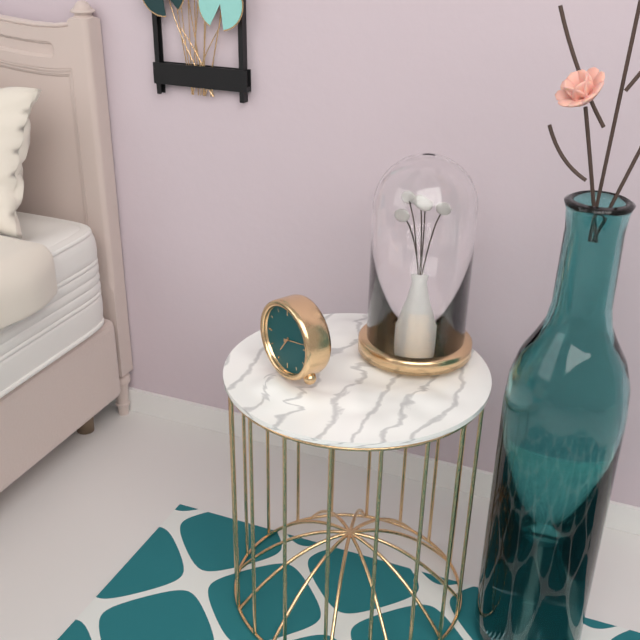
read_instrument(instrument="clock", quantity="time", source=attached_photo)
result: 7:13
